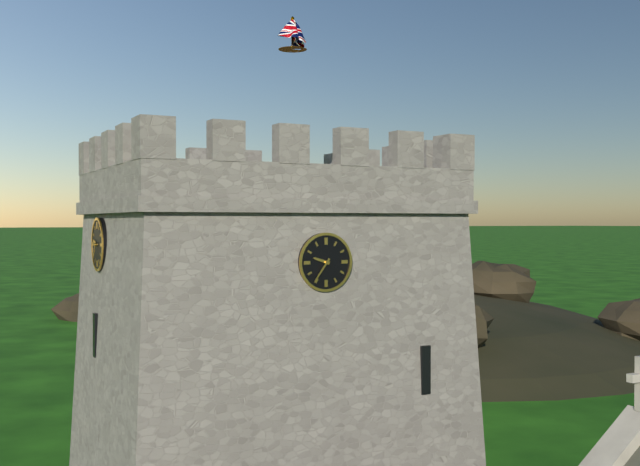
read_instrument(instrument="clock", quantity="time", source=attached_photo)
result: 9:36
